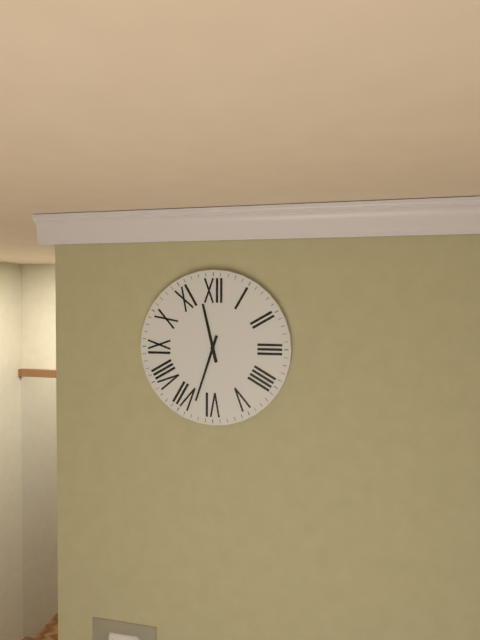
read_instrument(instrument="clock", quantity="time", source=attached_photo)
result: 11:33
